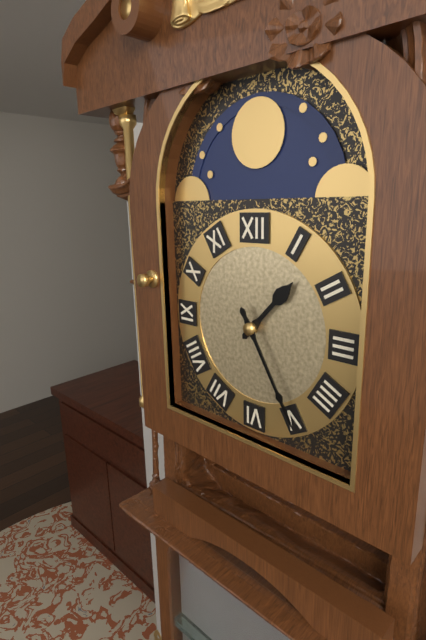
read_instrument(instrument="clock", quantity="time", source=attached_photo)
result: 1:25
